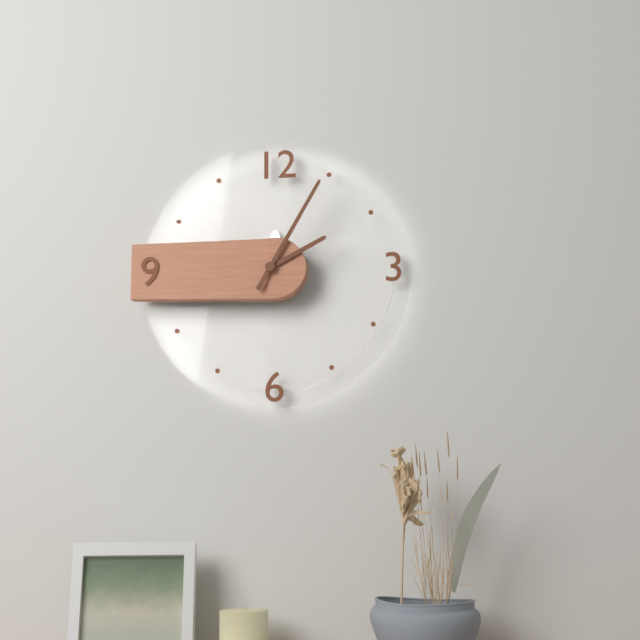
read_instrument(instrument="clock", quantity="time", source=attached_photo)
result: 2:05
